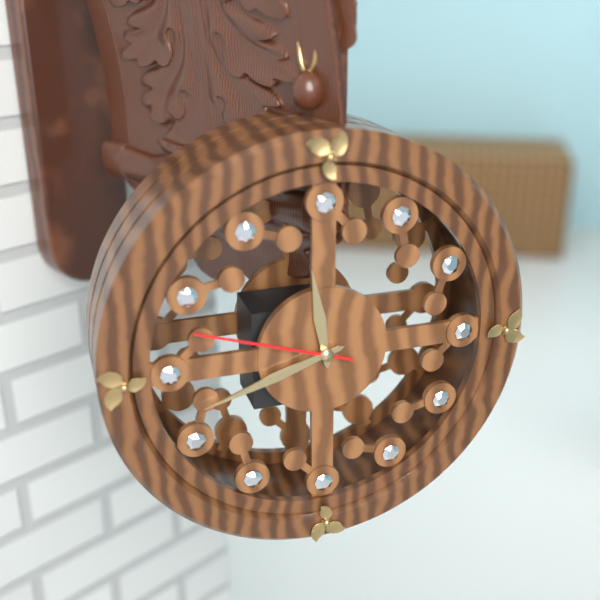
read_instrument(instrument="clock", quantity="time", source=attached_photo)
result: 11:42:48
